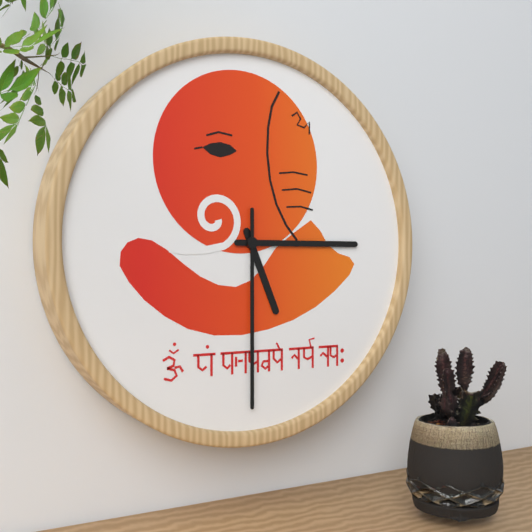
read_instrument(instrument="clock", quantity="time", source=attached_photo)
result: 5:15:30
